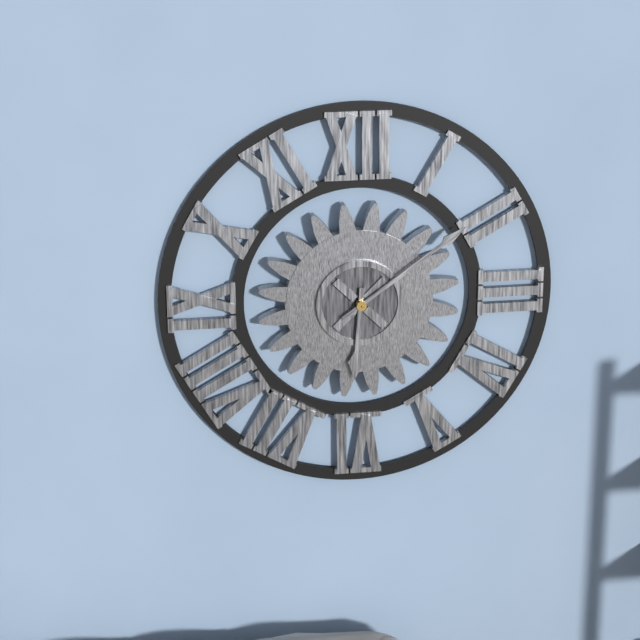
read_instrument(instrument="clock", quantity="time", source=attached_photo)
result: 6:09
